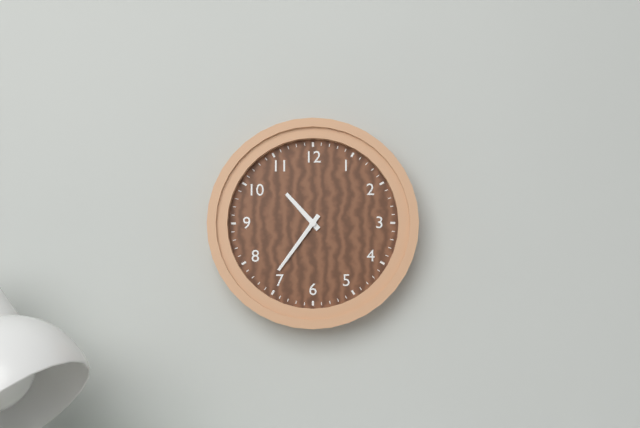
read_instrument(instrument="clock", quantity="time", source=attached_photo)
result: 10:36
